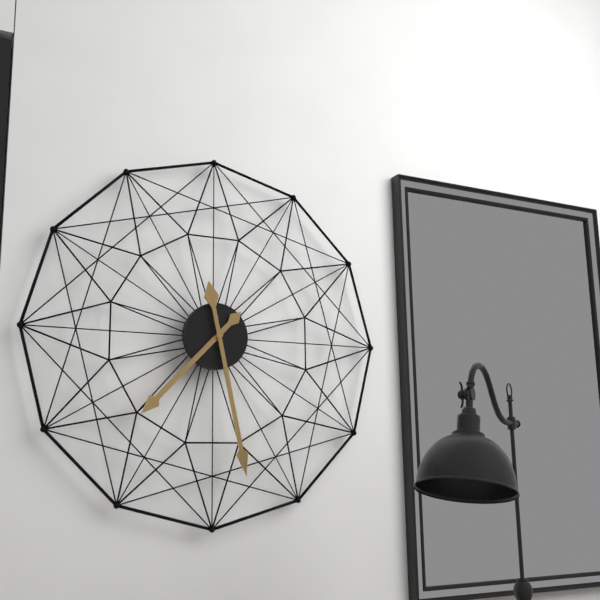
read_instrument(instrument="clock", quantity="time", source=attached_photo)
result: 7:28
